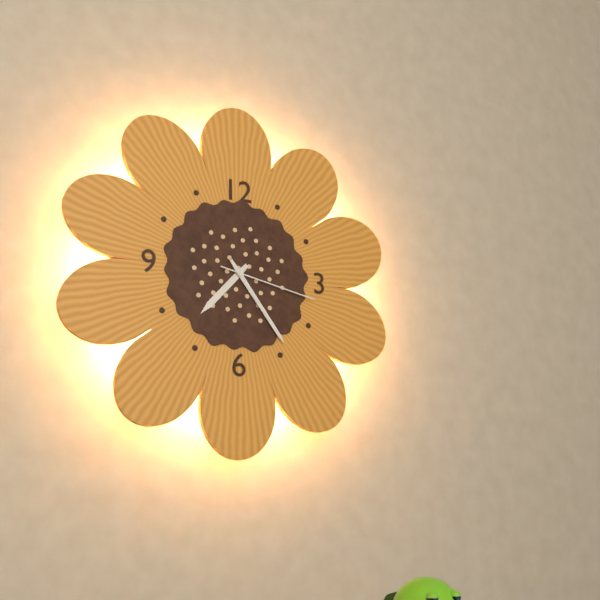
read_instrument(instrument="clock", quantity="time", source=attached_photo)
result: 7:24:17
